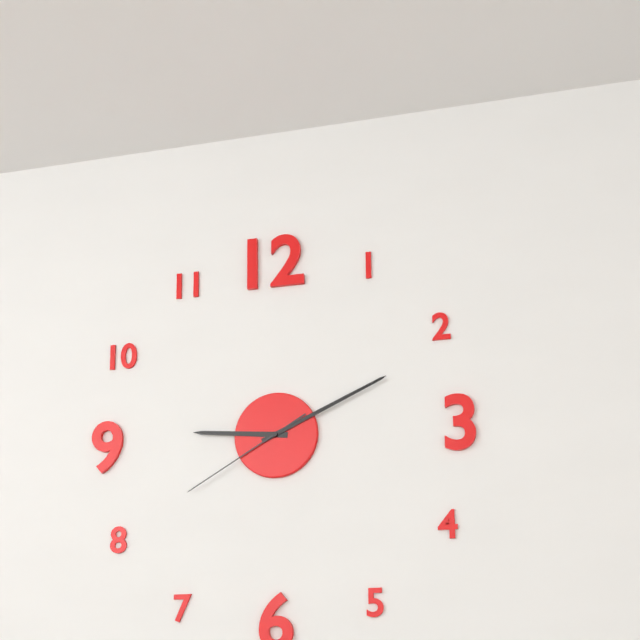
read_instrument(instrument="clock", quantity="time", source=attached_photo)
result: 9:11:40
